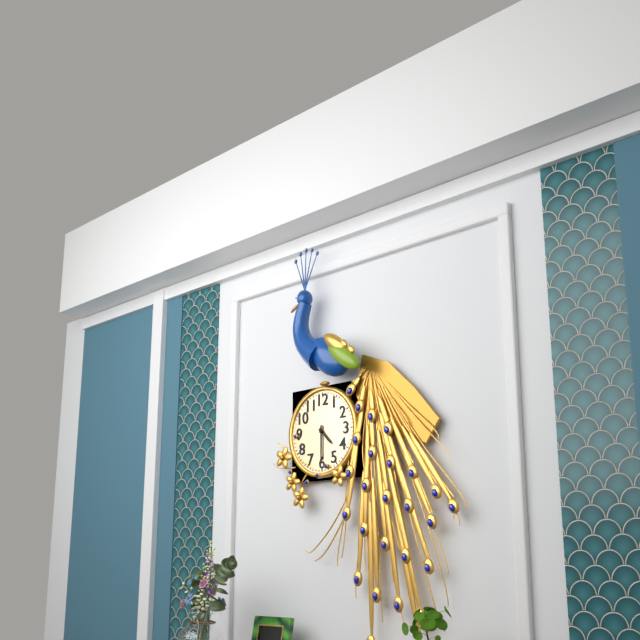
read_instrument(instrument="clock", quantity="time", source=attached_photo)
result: 4:30
